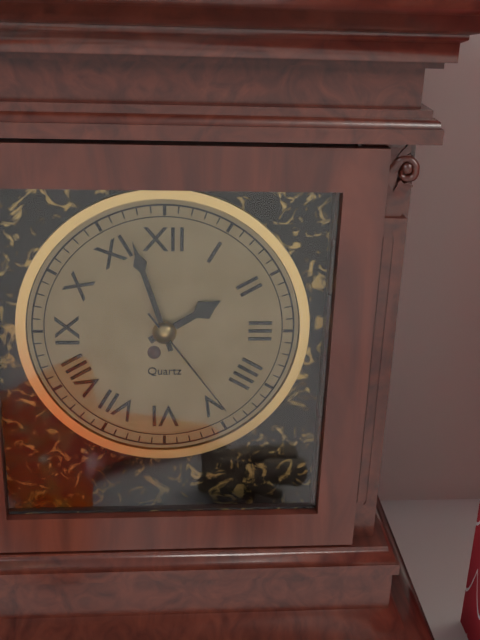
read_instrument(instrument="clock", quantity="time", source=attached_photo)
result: 1:57:24
